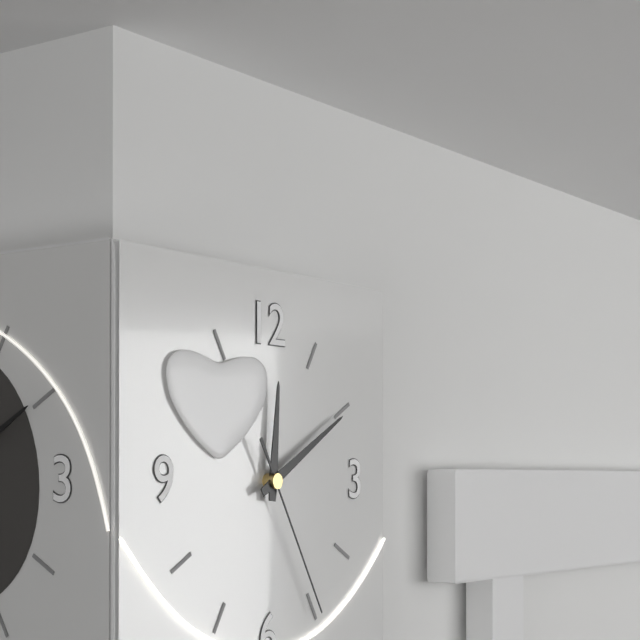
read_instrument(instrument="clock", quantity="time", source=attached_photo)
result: 12:10:25
